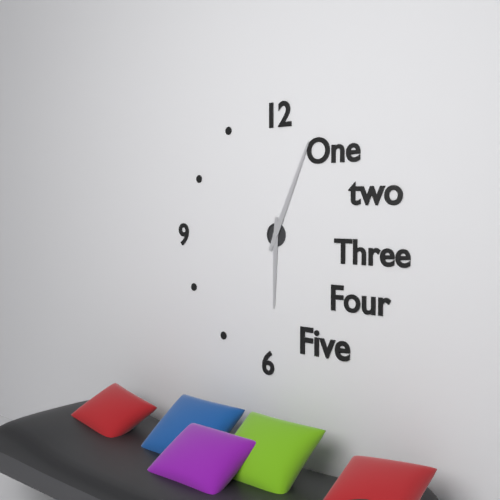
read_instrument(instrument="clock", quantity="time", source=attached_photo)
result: 6:04
